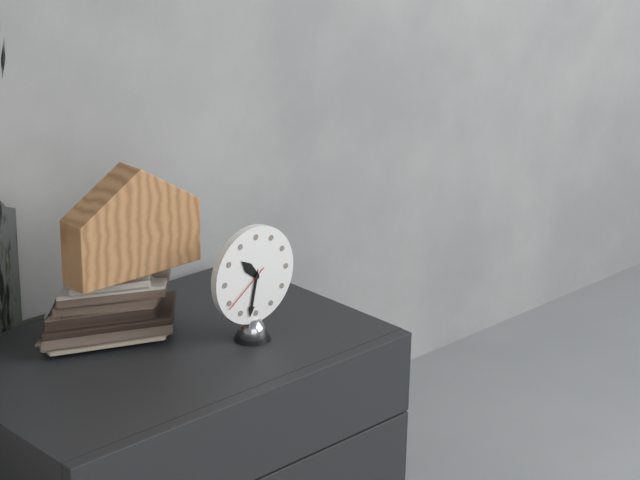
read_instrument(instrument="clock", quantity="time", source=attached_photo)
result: 10:32:39
